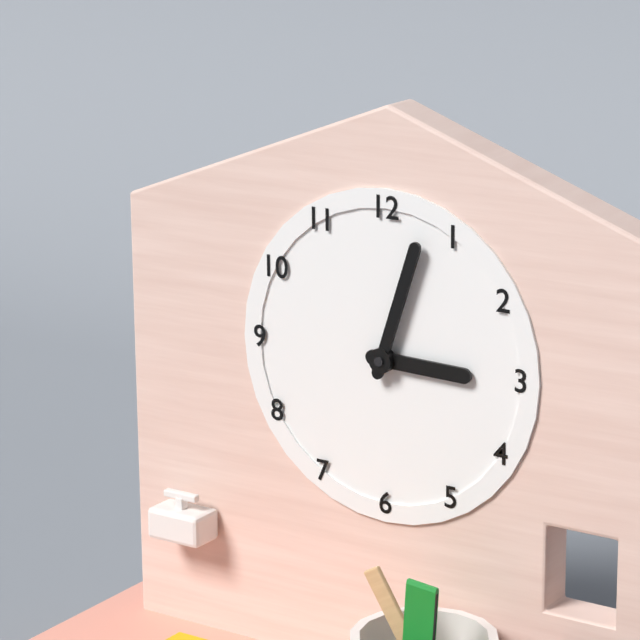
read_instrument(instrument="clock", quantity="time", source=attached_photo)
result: 3:03
